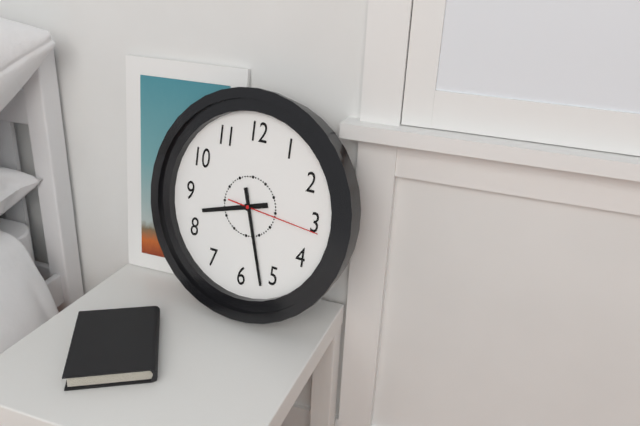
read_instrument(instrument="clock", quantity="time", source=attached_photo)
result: 8:27:16
